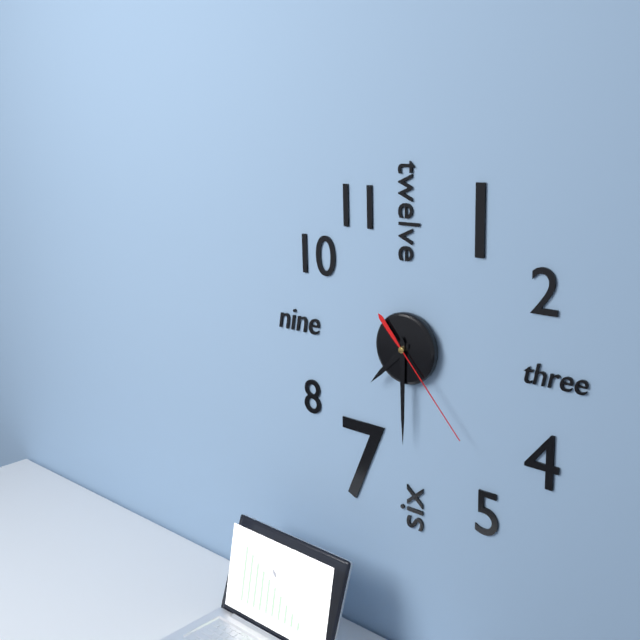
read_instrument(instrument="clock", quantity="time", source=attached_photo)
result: 7:30:23
